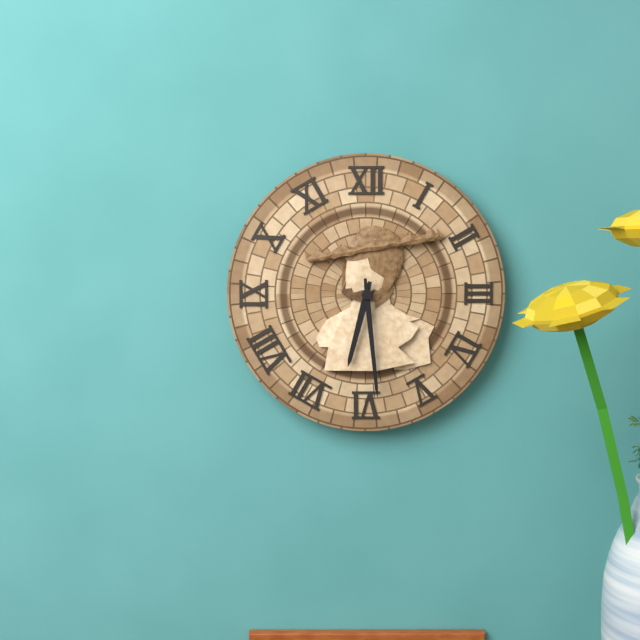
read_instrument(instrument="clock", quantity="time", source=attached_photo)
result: 6:29
